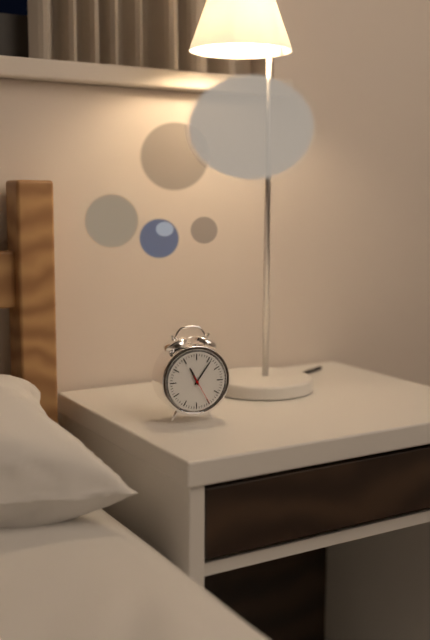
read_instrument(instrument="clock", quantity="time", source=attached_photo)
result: 11:06
